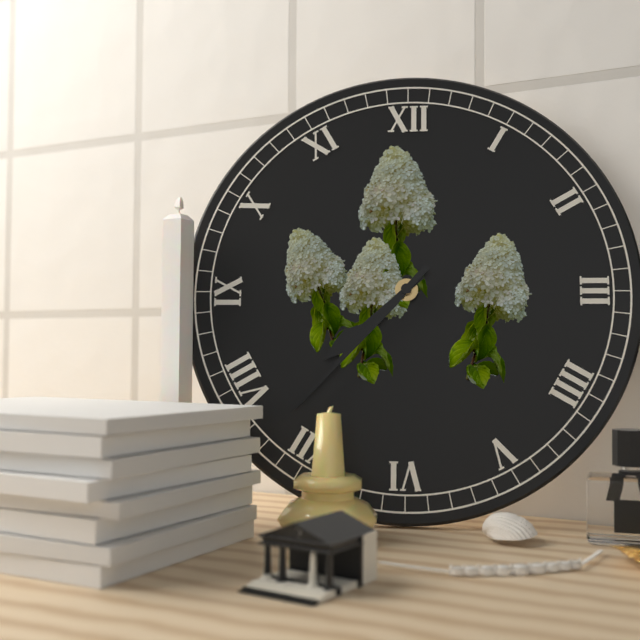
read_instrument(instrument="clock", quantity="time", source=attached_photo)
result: 7:37
